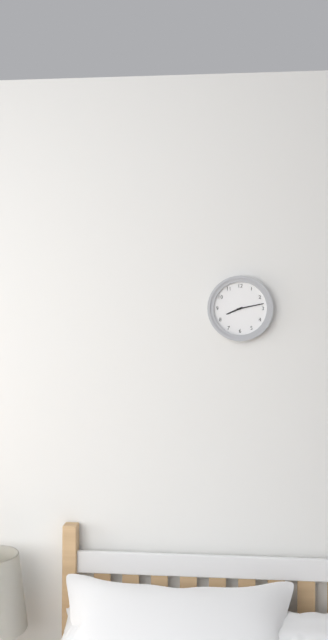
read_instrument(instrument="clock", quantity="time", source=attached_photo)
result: 8:13
